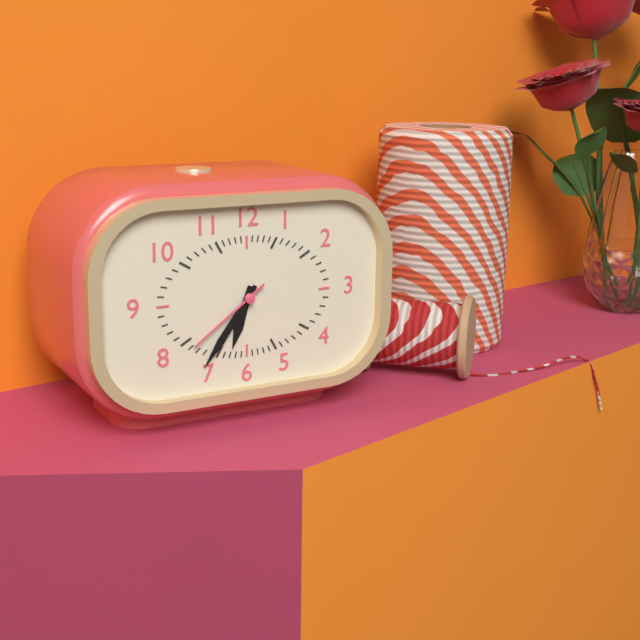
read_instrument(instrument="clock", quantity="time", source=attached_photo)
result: 6:36:39
